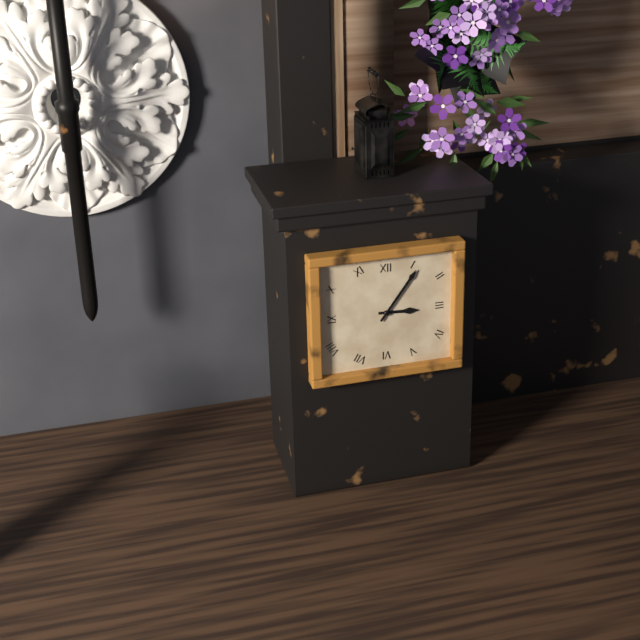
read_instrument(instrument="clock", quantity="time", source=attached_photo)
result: 3:06
